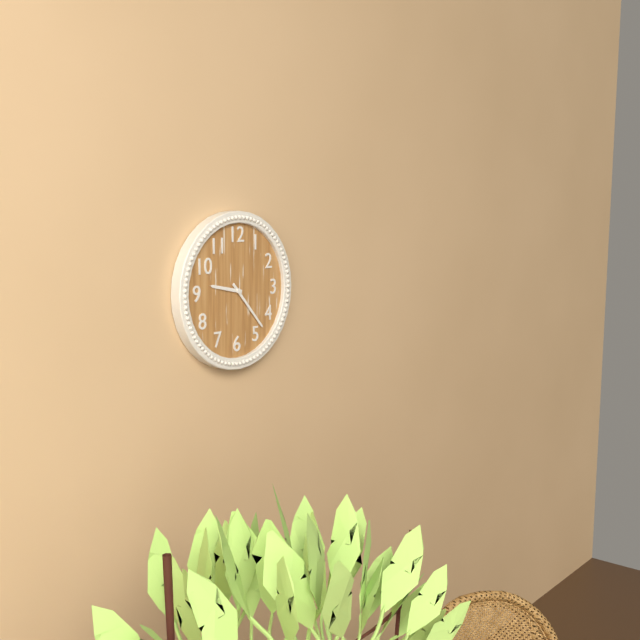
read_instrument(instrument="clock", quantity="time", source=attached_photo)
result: 9:23
